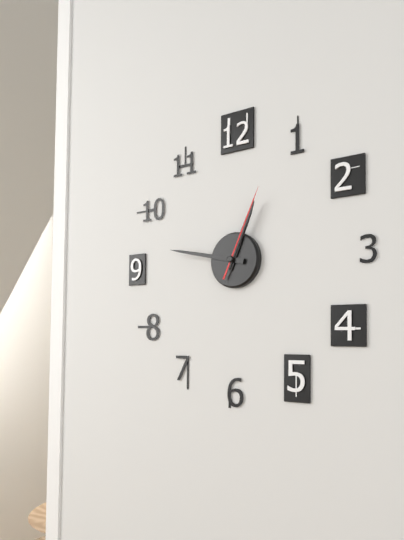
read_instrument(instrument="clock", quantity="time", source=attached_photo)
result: 12:47:04
